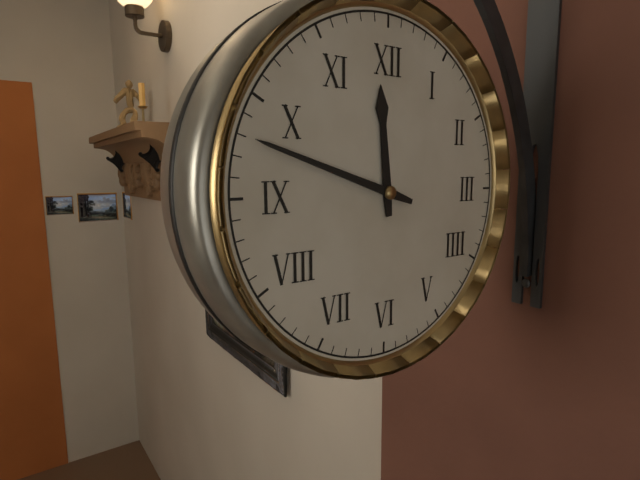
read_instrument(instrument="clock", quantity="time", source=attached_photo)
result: 11:48
